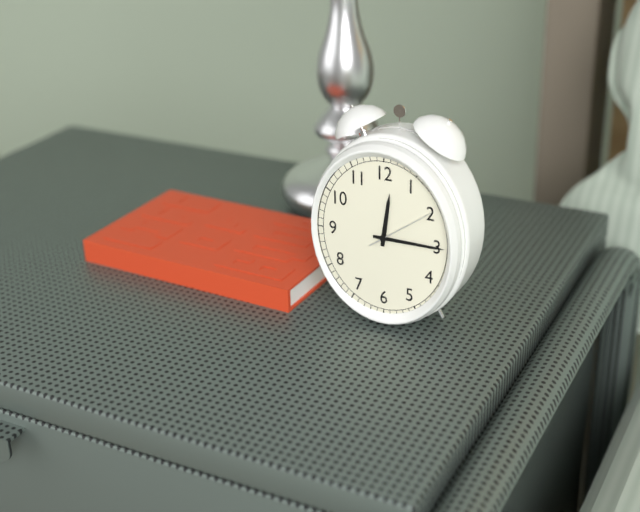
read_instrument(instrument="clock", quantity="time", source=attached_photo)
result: 12:15:09
